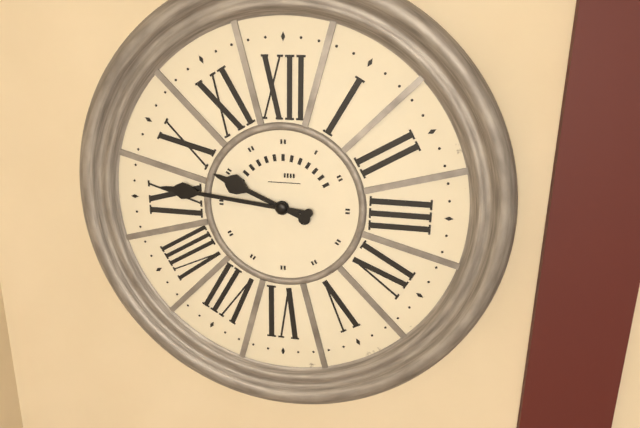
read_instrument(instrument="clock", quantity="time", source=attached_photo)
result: 9:46
